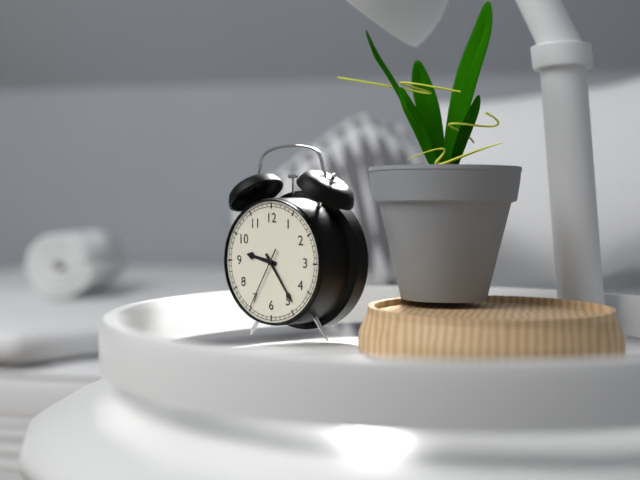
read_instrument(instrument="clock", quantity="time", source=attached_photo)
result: 9:24:35
